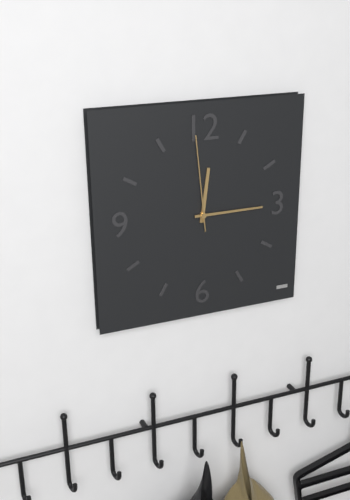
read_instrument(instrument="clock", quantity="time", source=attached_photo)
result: 12:15:59
